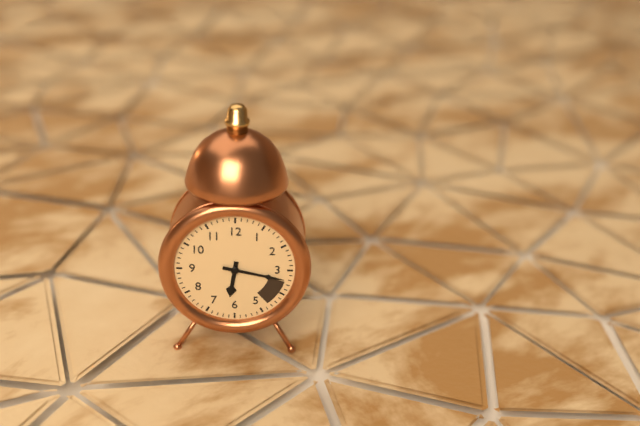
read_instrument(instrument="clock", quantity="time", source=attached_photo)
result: 6:17
